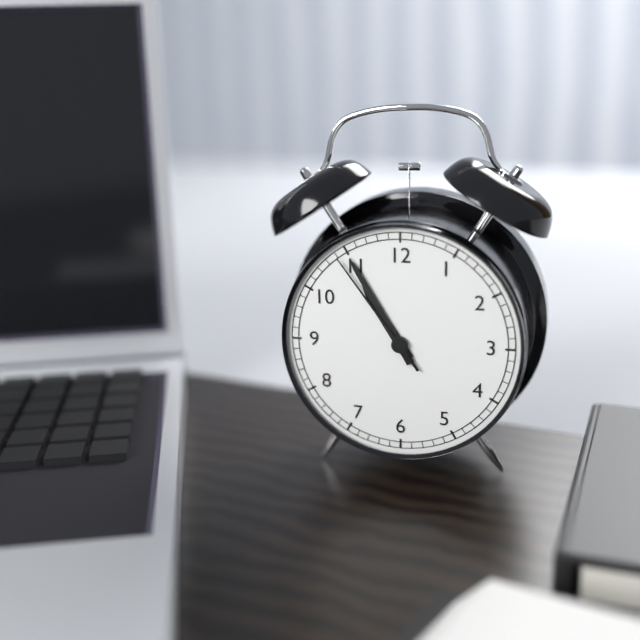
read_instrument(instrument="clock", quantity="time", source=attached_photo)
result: 10:55:54
